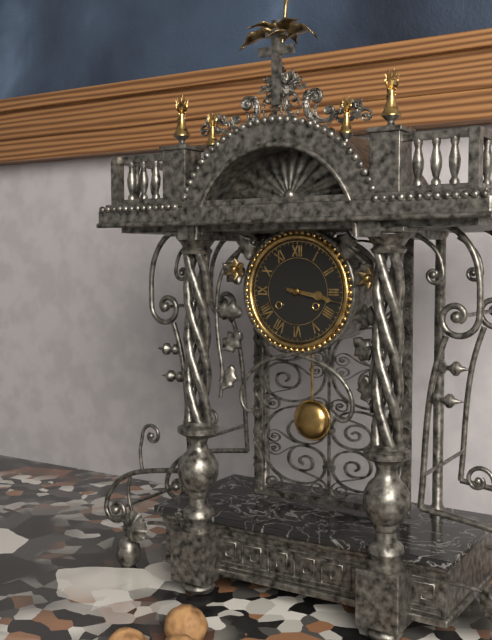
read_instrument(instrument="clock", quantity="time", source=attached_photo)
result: 3:17
